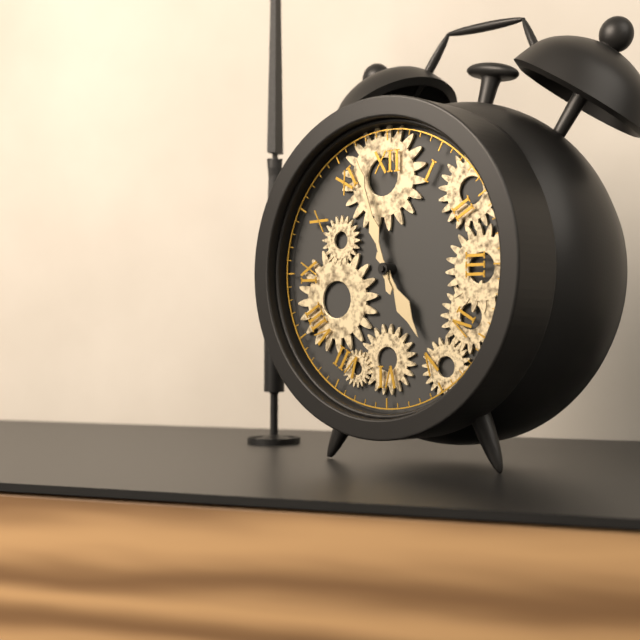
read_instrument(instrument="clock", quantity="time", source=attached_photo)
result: 4:57
